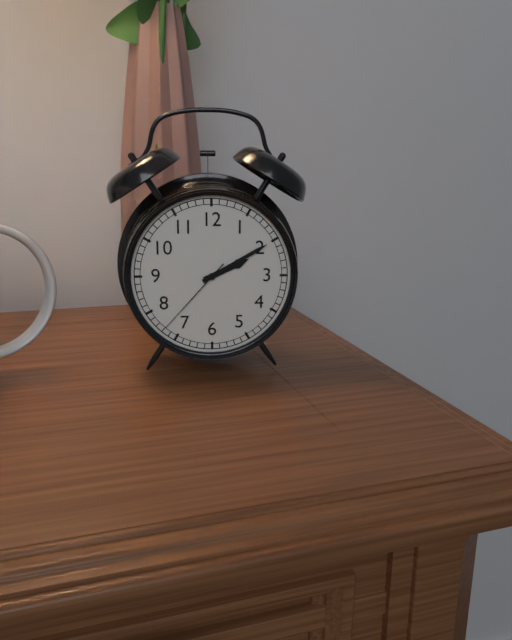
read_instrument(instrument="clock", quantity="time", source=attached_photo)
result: 2:10:37
